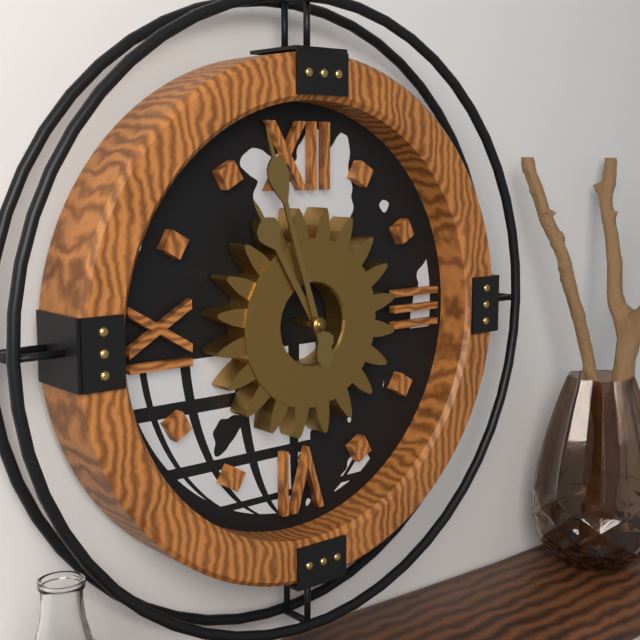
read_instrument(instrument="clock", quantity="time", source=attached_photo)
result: 10:57
